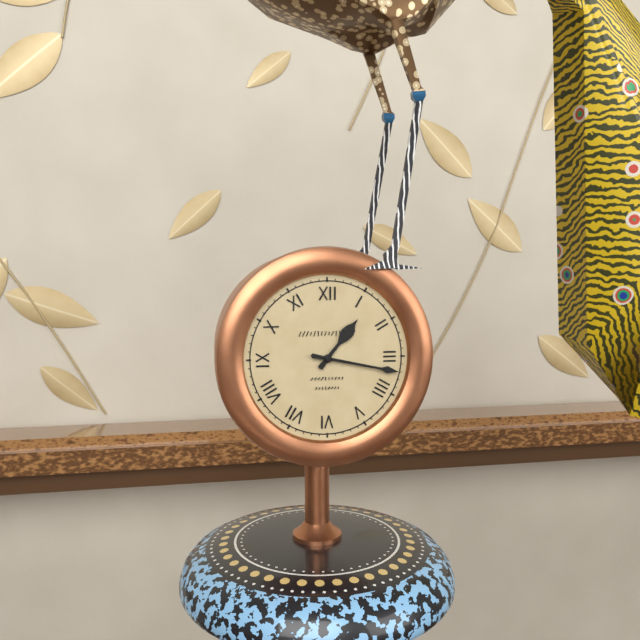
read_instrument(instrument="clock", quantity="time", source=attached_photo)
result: 1:17
